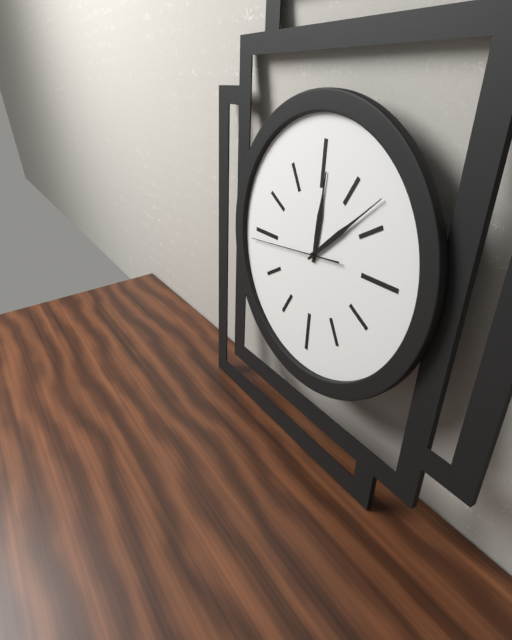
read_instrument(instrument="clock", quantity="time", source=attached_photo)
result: 12:08:44
